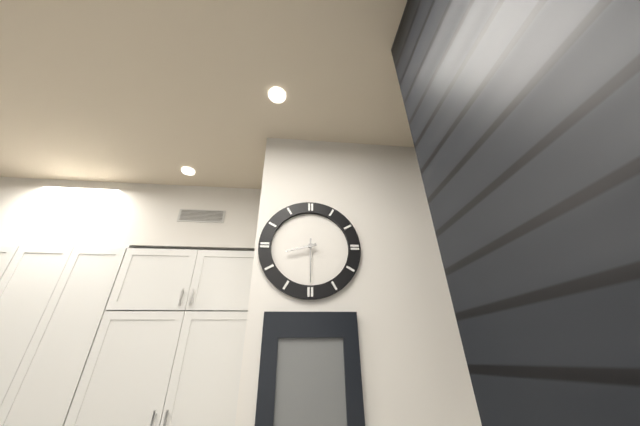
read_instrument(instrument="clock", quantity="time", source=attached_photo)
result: 8:30
